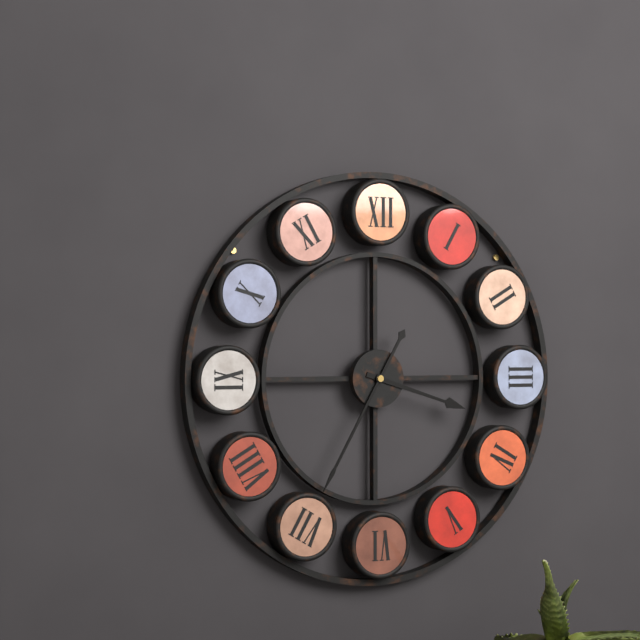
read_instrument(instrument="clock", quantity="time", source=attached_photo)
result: 3:35
